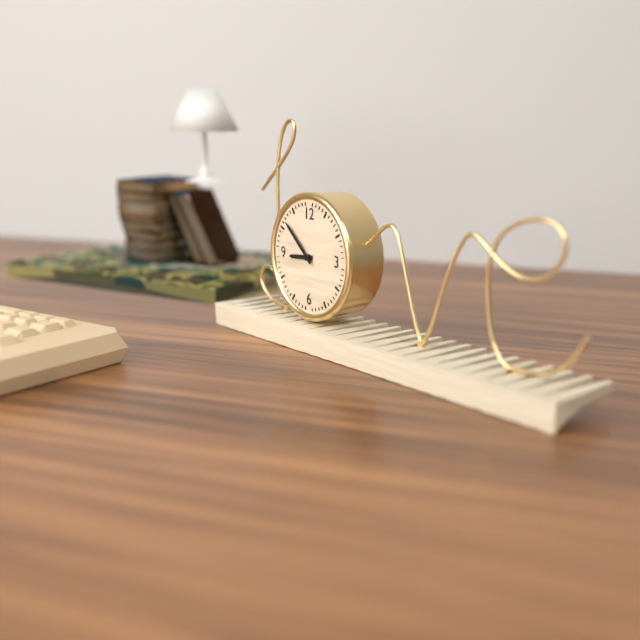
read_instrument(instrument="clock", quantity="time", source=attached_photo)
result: 8:52
